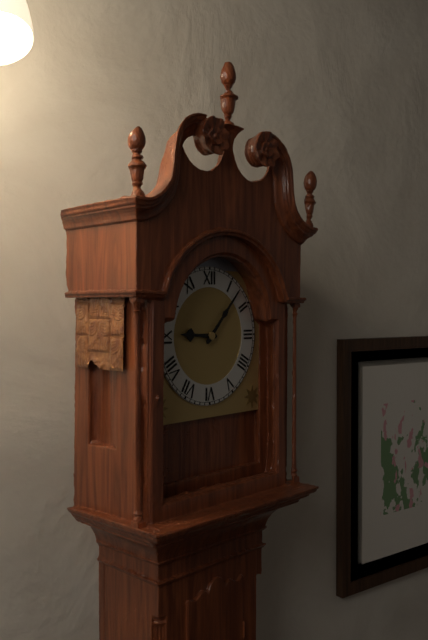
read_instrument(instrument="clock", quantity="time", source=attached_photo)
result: 9:07
